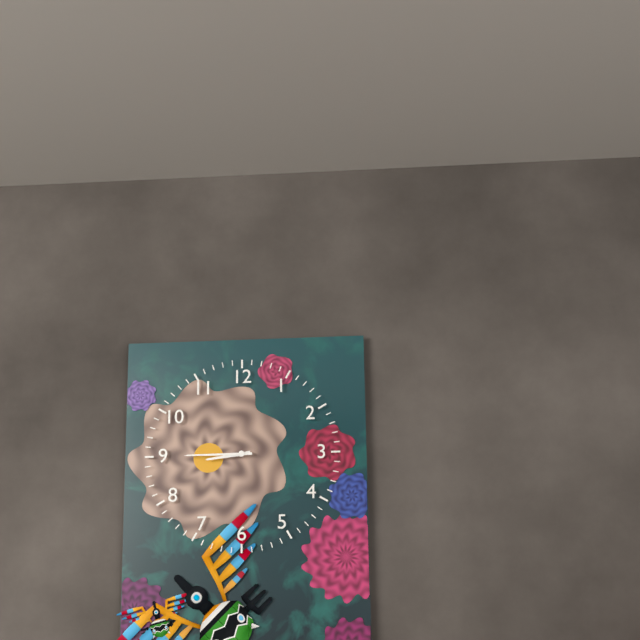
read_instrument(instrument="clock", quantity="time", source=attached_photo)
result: 8:45
